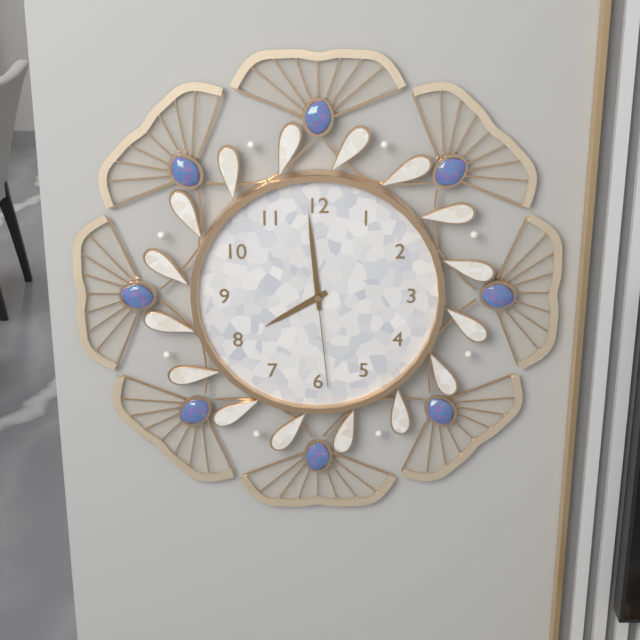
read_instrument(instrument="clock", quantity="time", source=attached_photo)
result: 7:59:29
